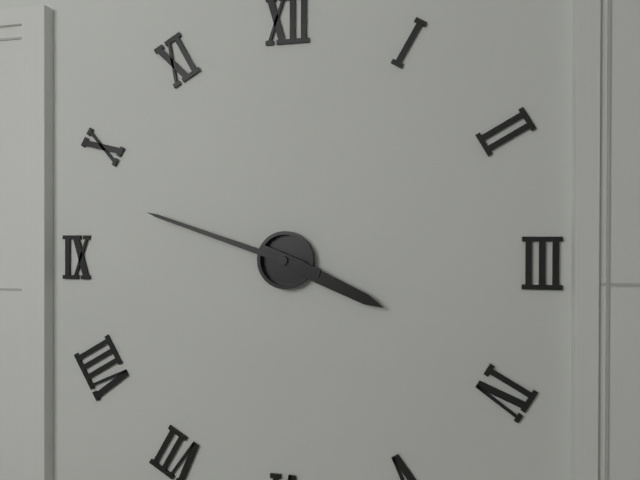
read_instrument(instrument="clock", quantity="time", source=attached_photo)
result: 3:48
